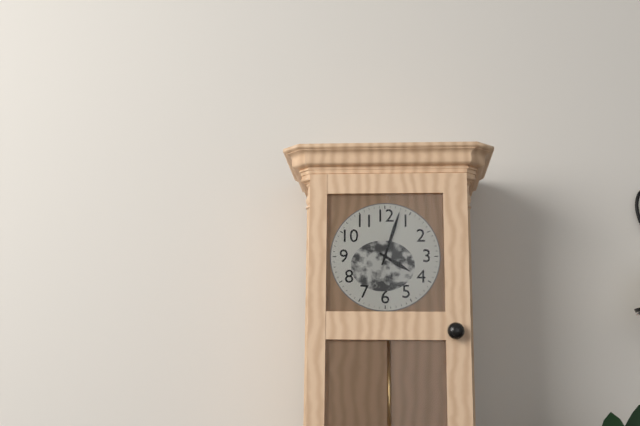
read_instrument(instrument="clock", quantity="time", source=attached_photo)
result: 4:03
